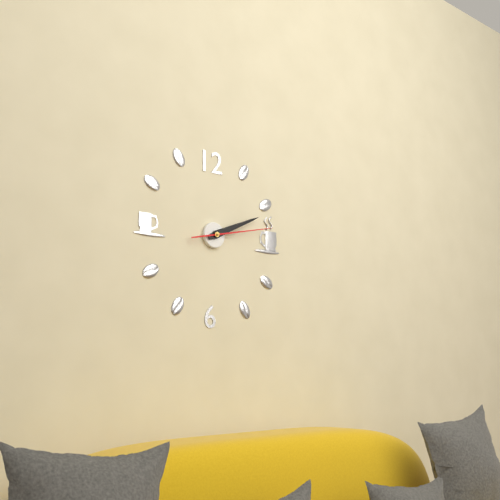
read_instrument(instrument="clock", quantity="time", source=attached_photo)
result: 2:11:13
